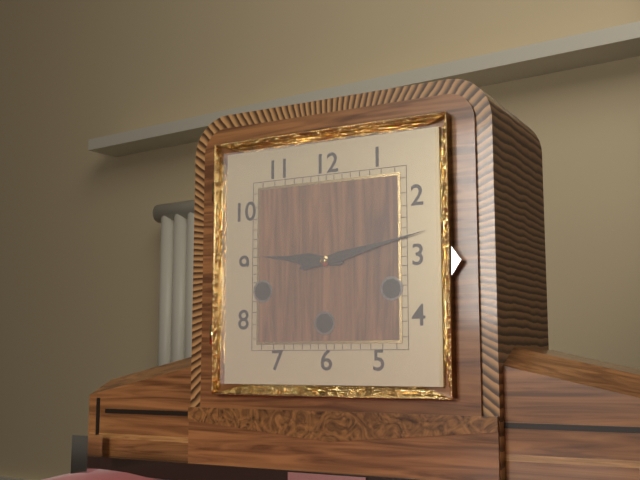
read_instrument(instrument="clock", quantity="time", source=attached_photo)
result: 9:13
